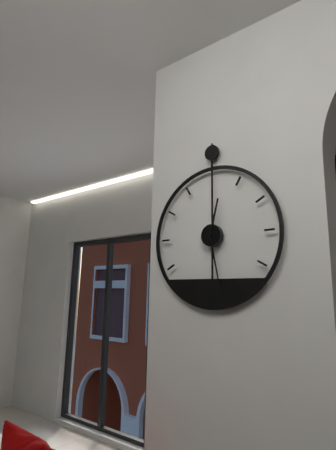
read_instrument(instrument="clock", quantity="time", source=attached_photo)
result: 12:28
